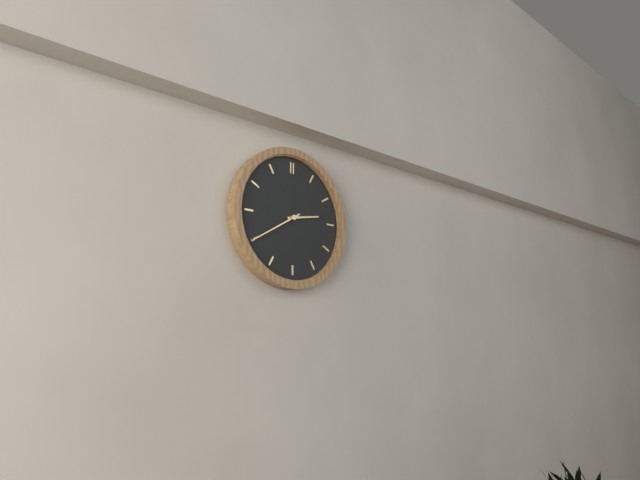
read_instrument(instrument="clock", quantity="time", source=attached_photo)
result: 2:40
